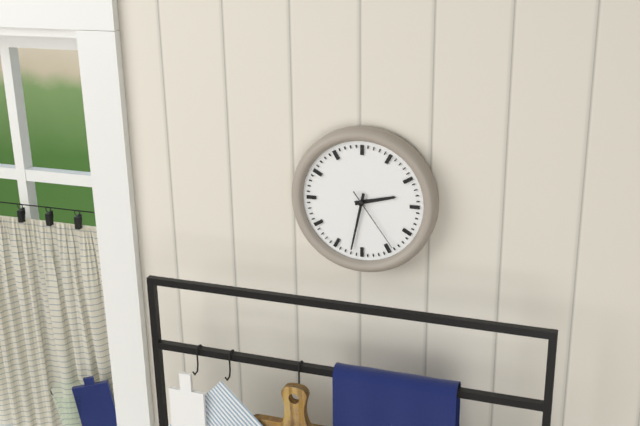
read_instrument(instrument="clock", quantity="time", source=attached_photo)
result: 2:32:24
